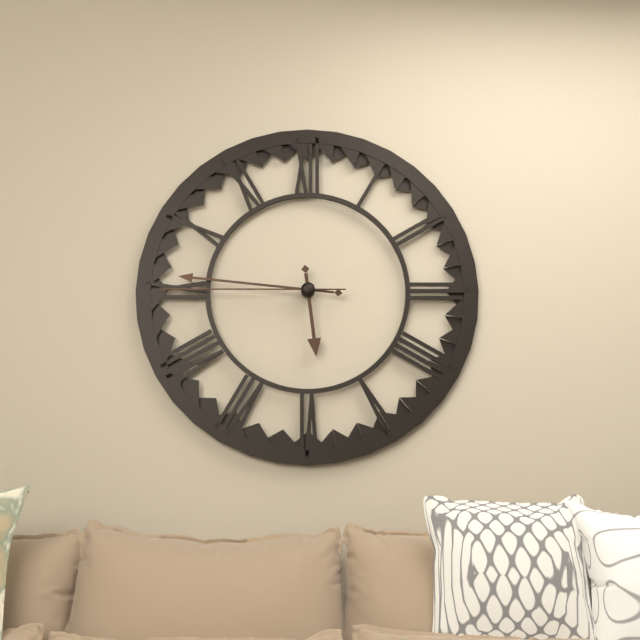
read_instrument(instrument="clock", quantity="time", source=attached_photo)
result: 5:46:45
